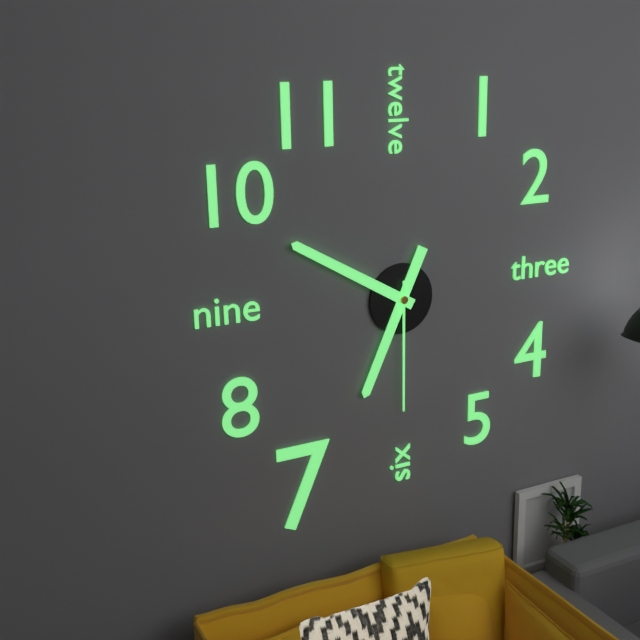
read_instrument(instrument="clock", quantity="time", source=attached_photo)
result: 6:50:30
